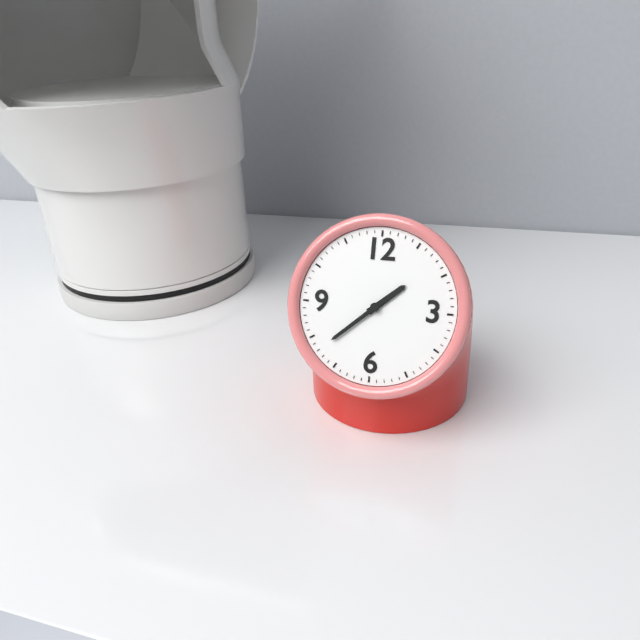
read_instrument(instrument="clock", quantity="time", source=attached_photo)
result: 1:38
